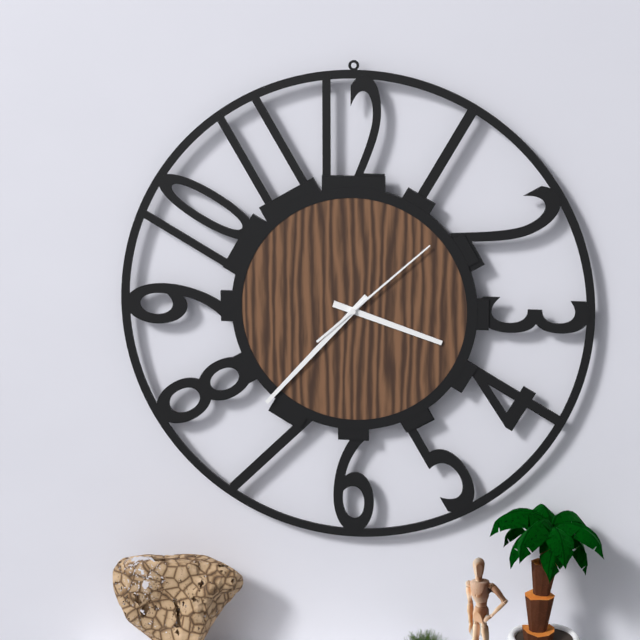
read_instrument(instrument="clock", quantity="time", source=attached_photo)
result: 3:37:08
